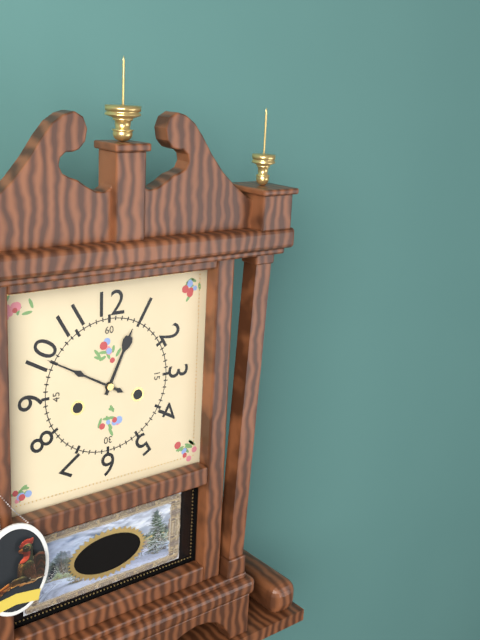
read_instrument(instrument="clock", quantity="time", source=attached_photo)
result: 12:50
